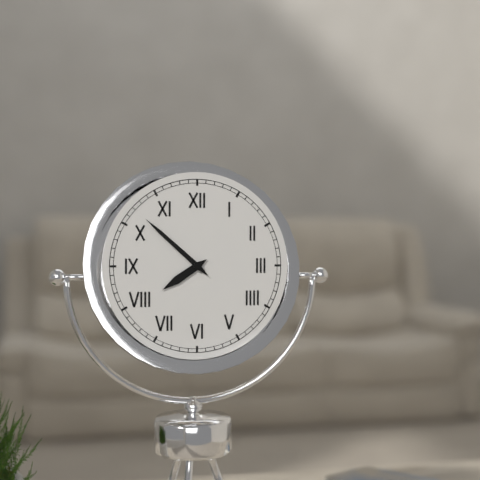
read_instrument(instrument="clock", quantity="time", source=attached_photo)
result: 7:52
